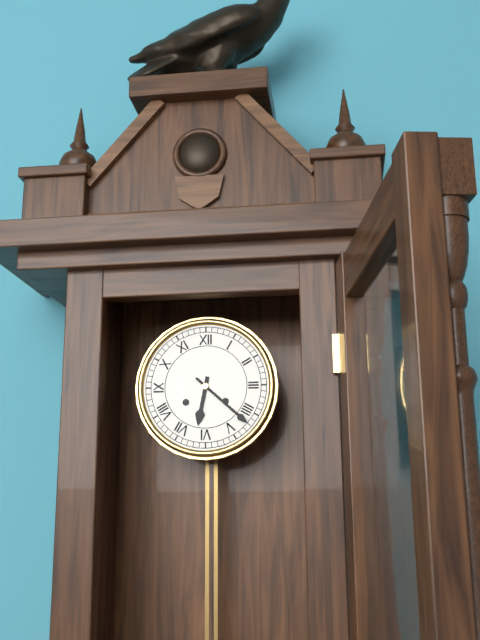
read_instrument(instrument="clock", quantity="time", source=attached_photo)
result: 6:22
